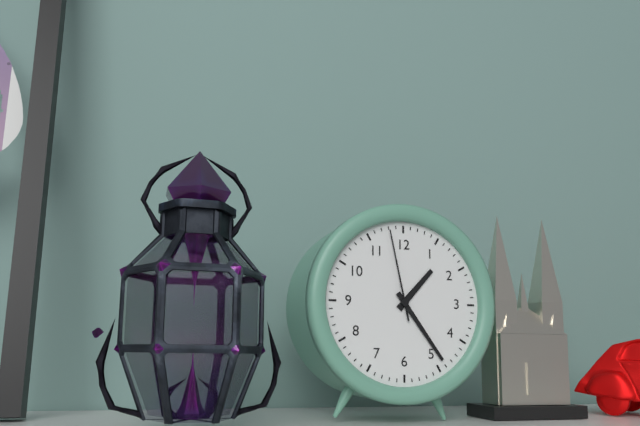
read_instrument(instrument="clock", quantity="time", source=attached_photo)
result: 1:24:58
